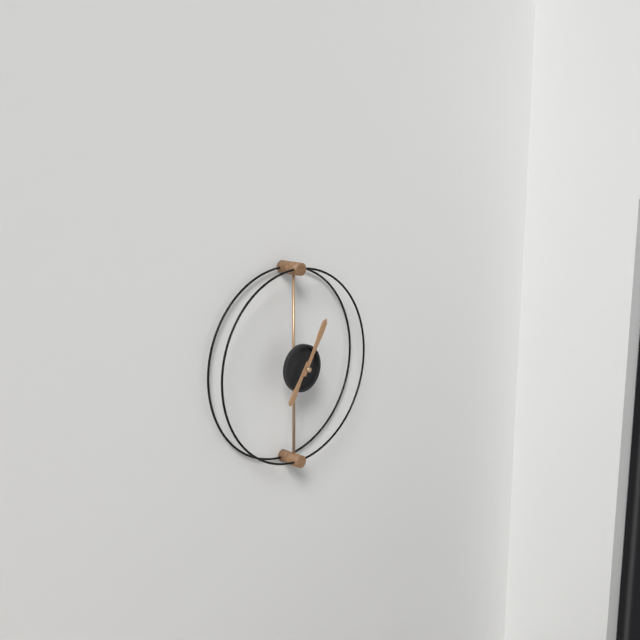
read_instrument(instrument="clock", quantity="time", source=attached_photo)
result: 7:05
